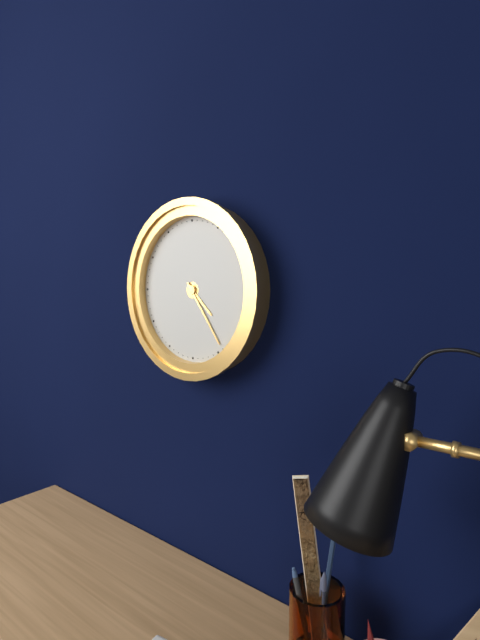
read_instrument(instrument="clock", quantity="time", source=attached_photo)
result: 4:24
